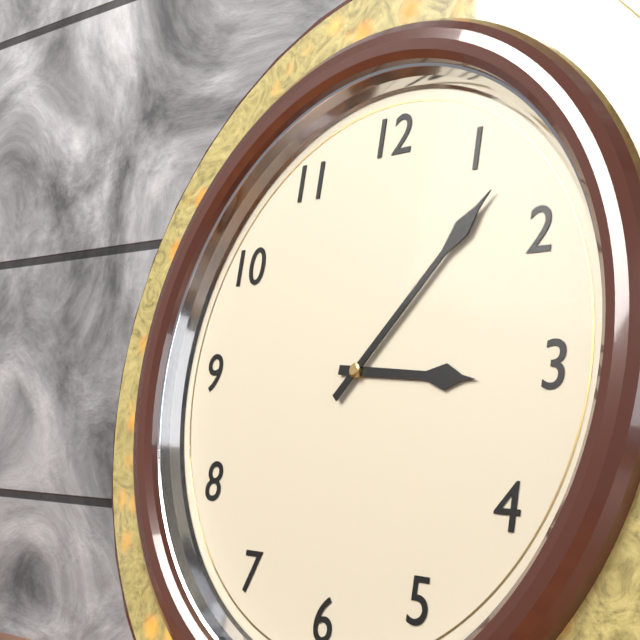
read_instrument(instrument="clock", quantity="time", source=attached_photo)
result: 3:07
